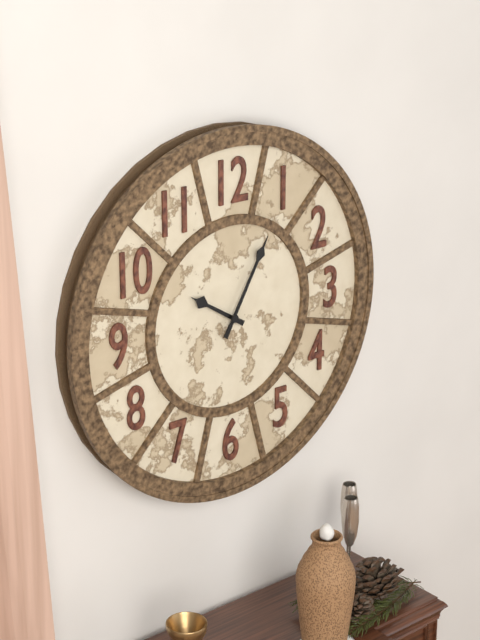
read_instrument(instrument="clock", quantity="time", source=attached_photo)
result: 10:05
